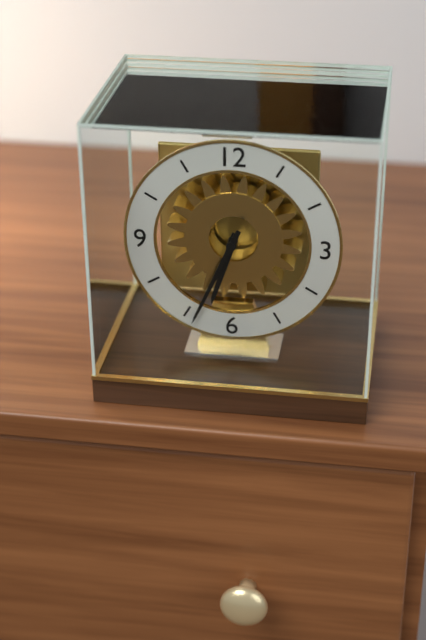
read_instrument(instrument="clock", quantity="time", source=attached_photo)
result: 6:34
